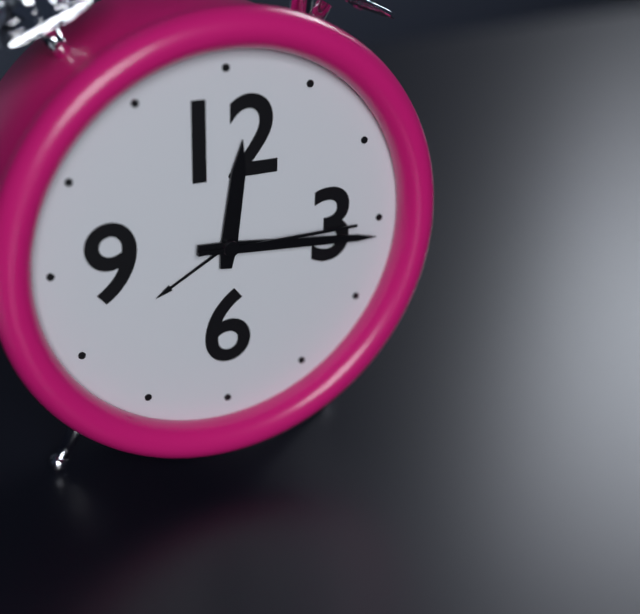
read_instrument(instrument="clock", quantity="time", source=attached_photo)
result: 12:16:15
